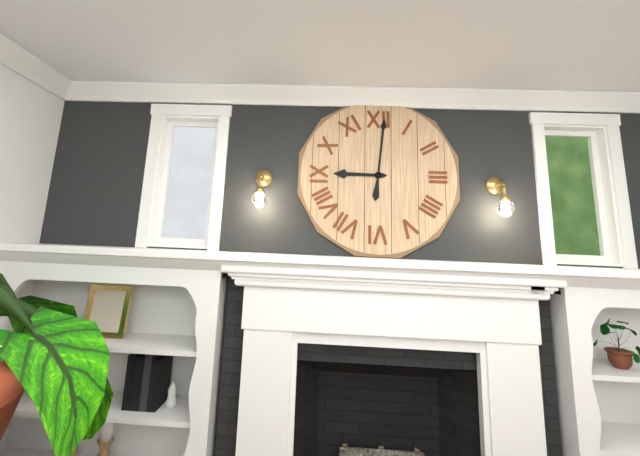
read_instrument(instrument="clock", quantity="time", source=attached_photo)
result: 9:01
